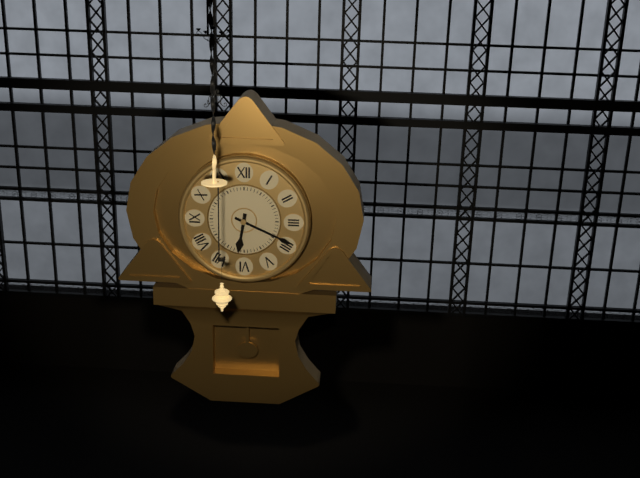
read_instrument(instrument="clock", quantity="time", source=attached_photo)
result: 6:19
